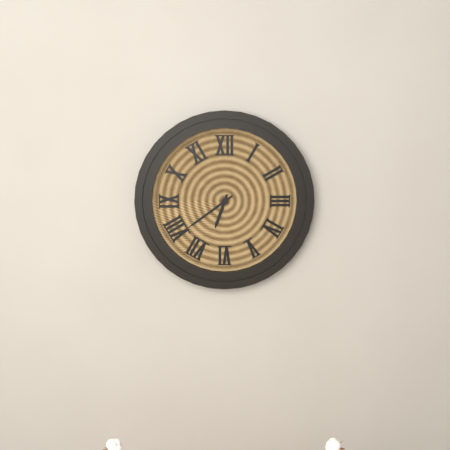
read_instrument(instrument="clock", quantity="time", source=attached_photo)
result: 6:39
